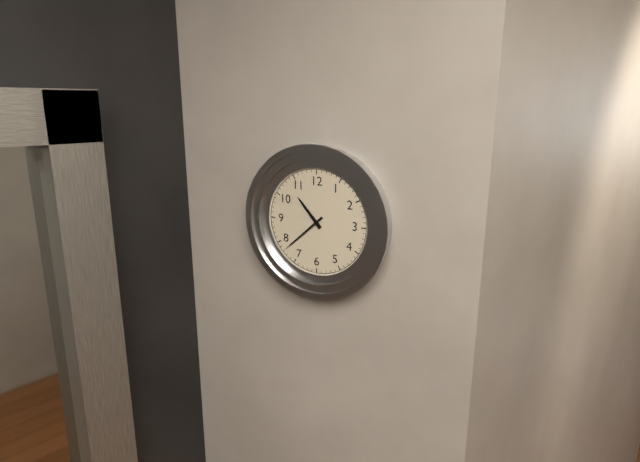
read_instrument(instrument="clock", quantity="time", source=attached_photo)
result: 10:38
